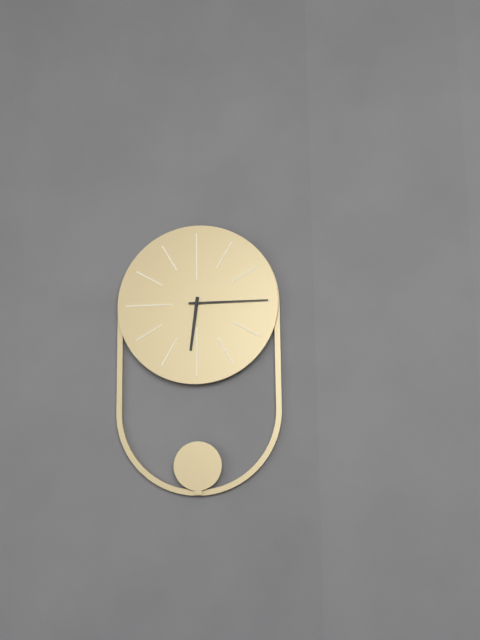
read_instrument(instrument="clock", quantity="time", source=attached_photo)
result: 6:15
